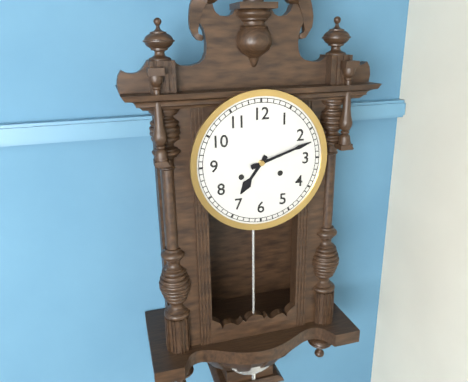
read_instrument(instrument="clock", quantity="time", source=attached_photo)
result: 7:12
